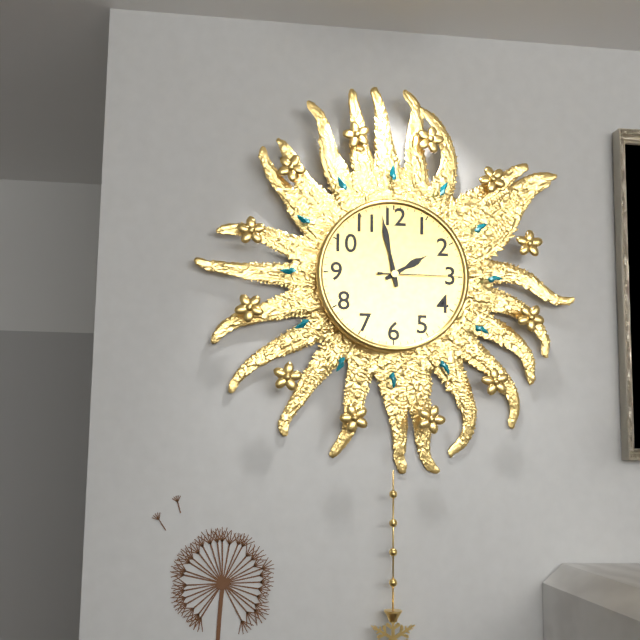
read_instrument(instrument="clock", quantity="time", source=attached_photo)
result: 1:58:15
